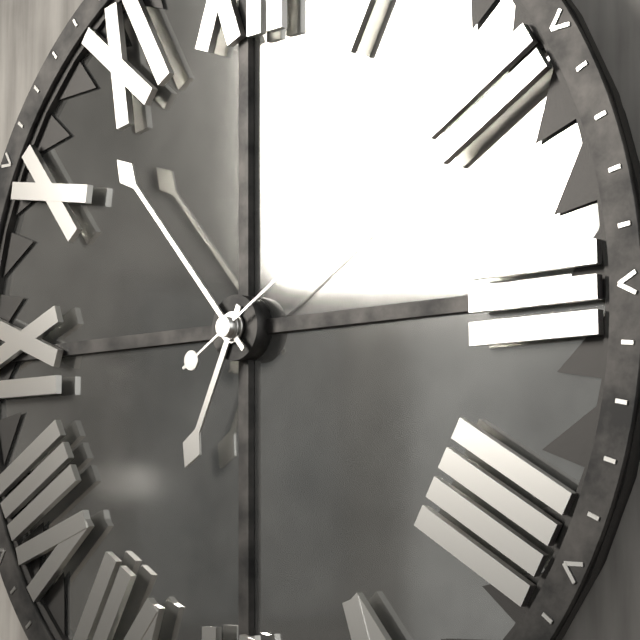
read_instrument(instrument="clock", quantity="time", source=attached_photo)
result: 6:53:10
